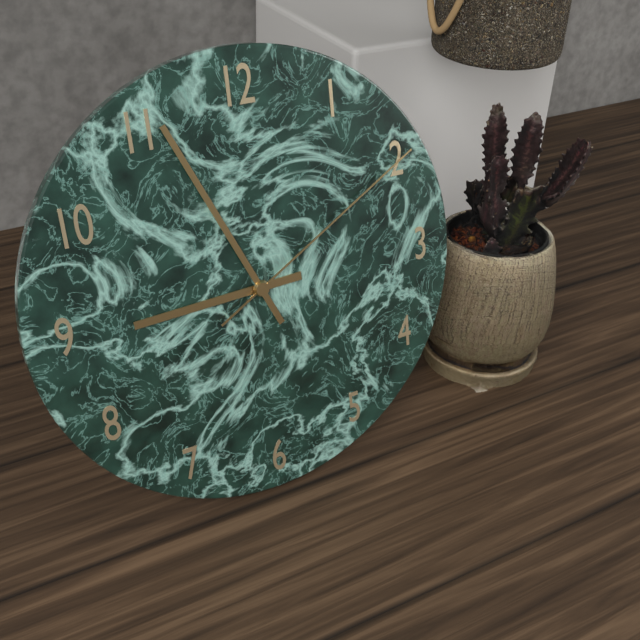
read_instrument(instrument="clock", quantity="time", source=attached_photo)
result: 8:56:10
